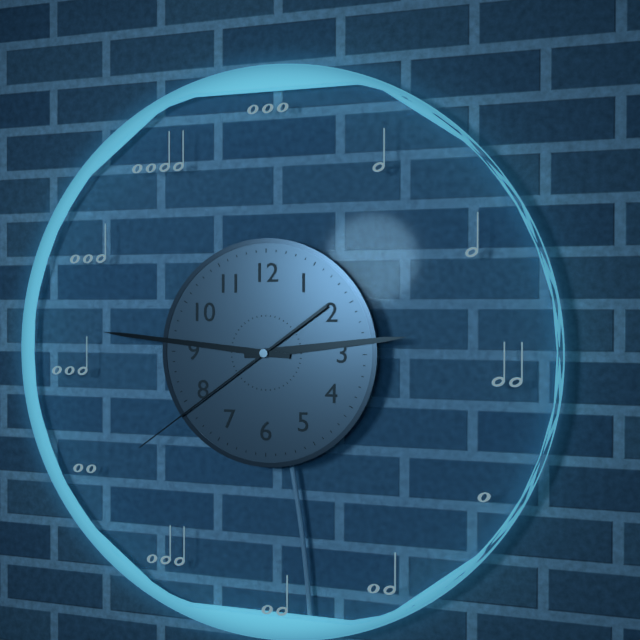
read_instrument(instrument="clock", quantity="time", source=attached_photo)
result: 2:46:39
